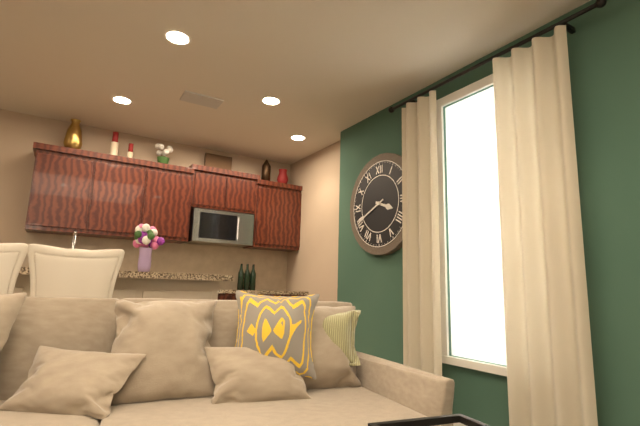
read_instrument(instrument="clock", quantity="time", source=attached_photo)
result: 3:41
